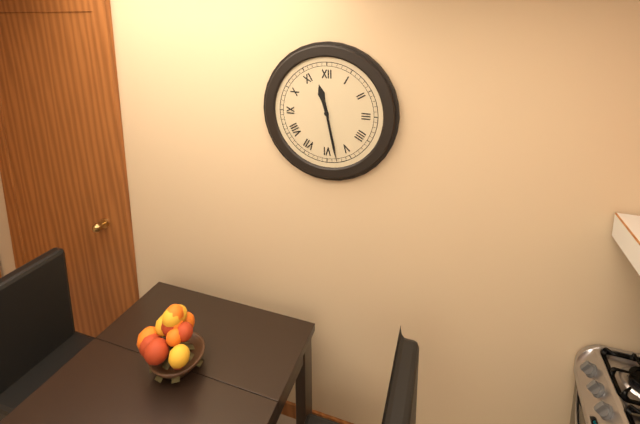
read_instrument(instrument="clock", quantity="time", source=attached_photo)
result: 11:28
